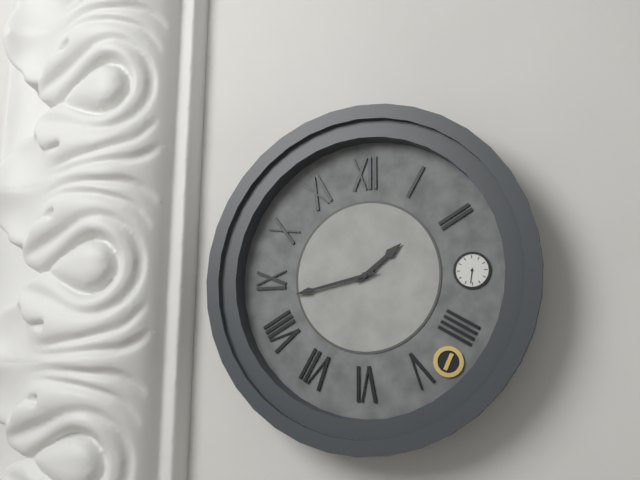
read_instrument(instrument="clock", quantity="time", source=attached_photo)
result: 1:43
